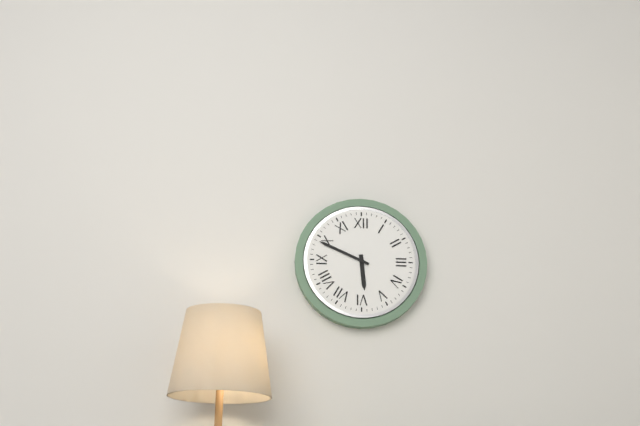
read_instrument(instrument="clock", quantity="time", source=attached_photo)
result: 5:49
